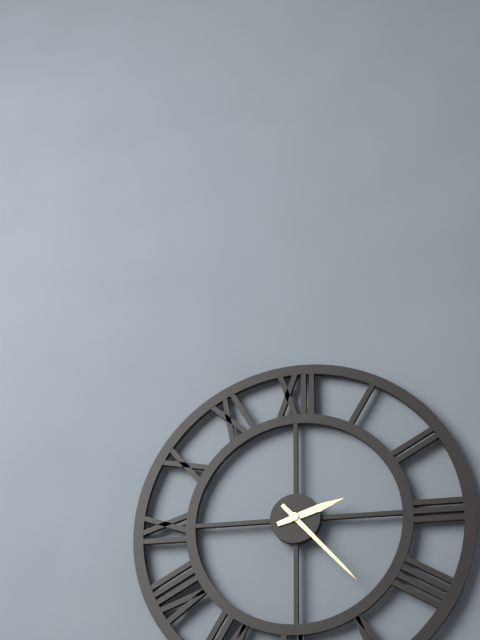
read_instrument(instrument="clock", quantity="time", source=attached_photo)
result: 2:23
